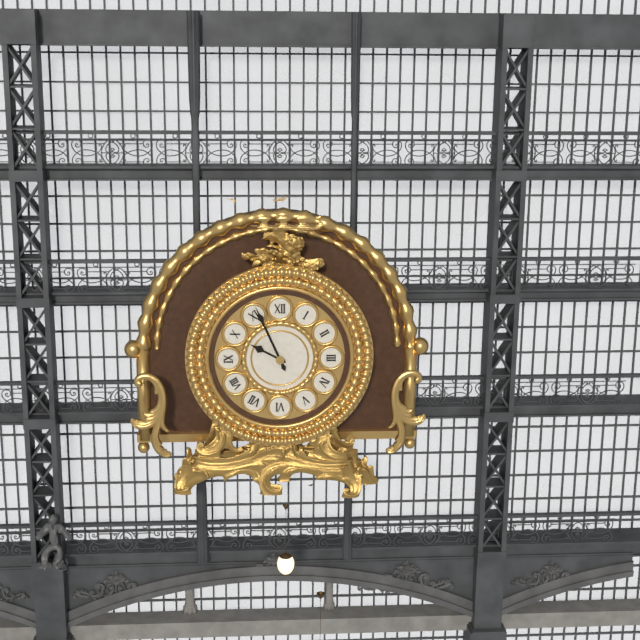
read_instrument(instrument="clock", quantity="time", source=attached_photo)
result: 9:56
